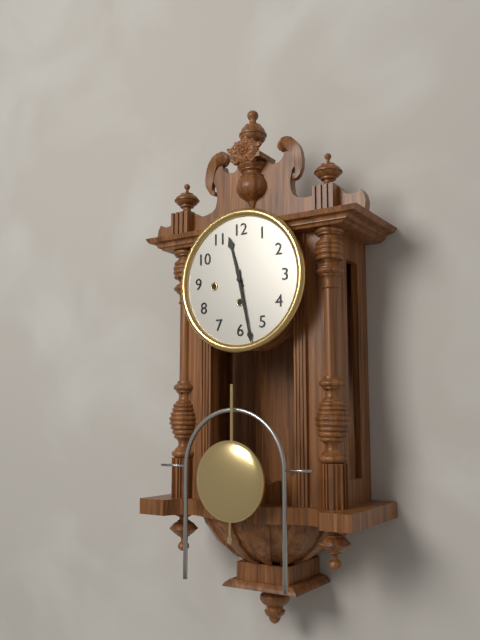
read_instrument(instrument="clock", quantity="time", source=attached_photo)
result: 11:28
